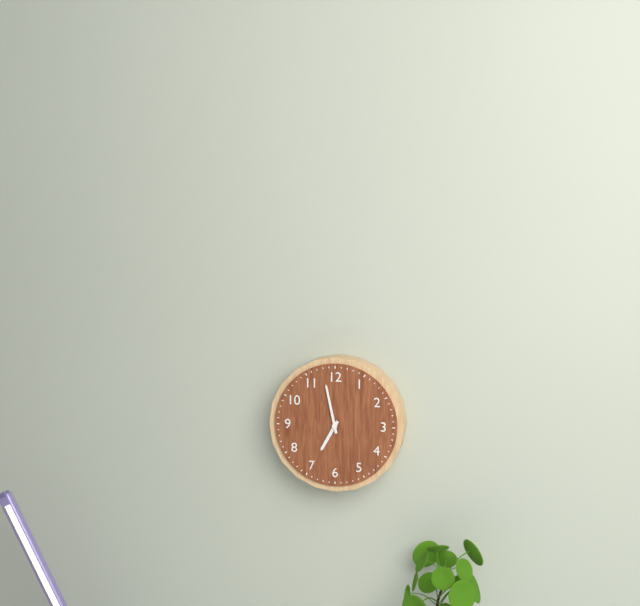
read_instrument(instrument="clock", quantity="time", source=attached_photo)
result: 6:58
